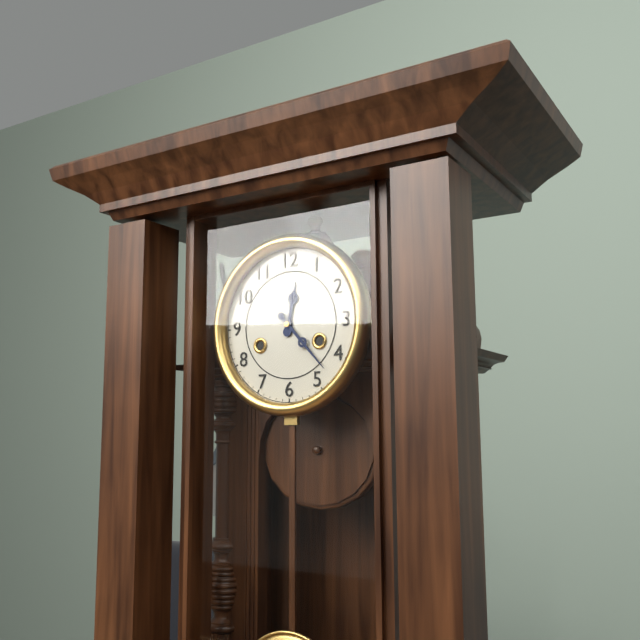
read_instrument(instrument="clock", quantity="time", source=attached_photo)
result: 12:23
